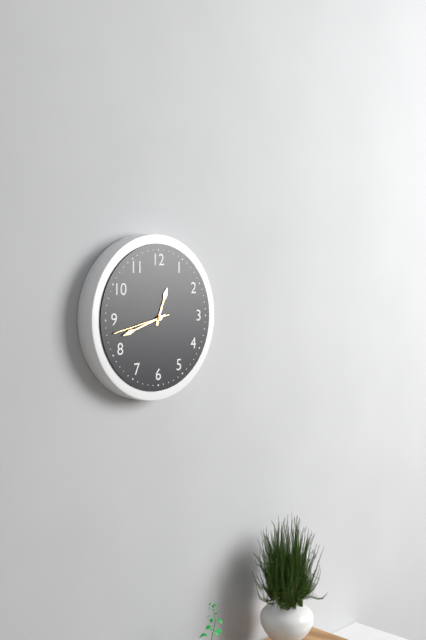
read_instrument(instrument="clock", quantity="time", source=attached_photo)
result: 12:42:43
